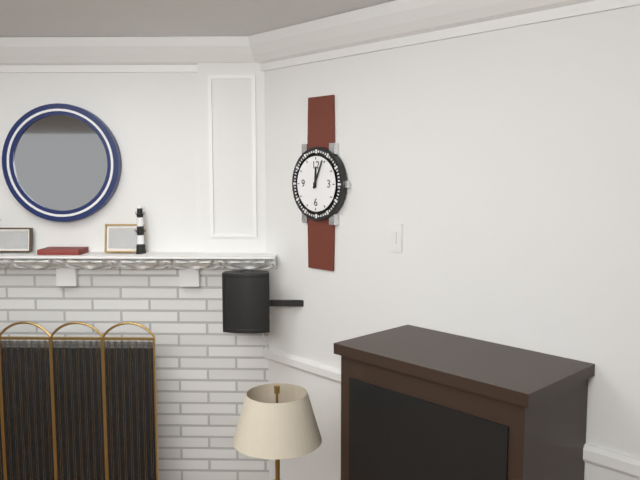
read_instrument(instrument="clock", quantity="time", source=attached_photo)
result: 12:04
